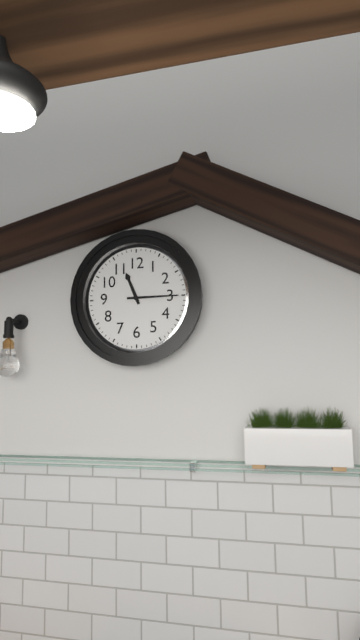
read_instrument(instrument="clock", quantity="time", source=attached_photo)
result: 11:15
